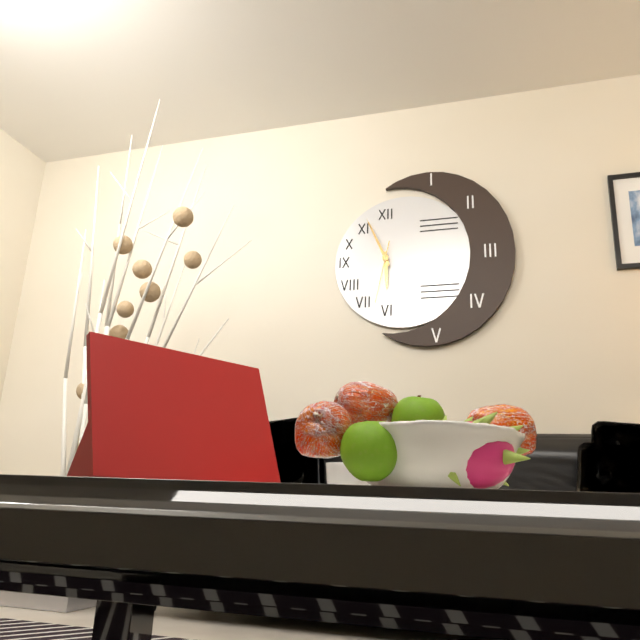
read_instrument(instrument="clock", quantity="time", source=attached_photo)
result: 5:56:32
